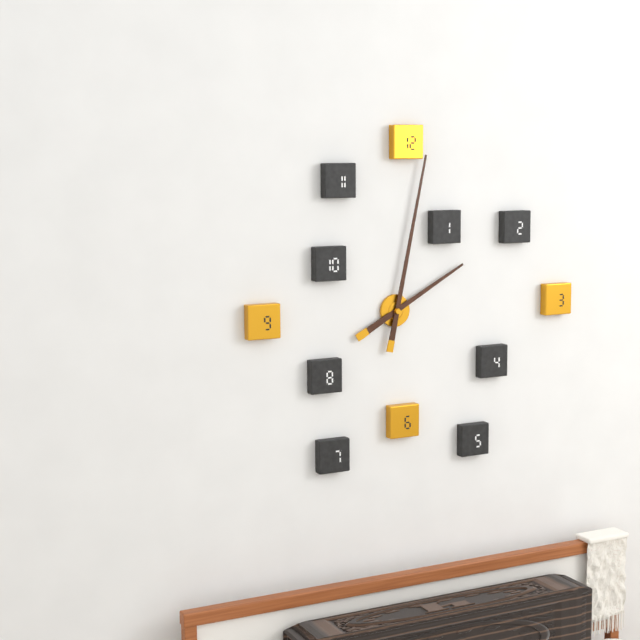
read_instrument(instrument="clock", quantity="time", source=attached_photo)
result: 2:02
